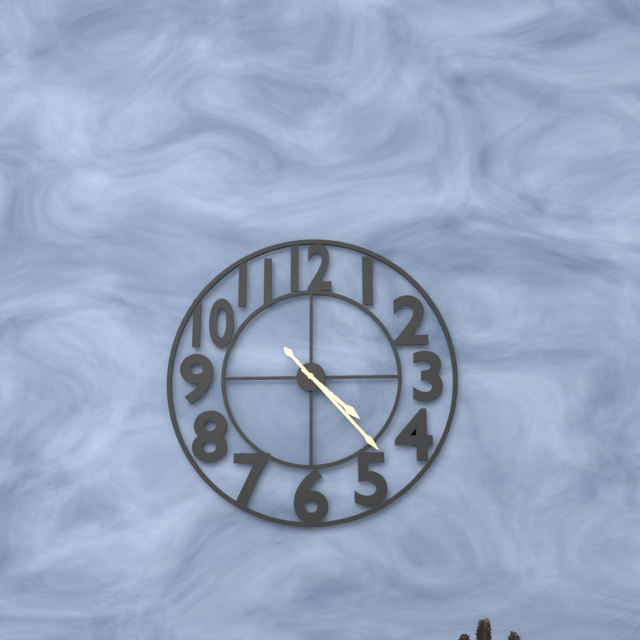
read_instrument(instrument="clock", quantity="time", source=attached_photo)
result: 4:23
